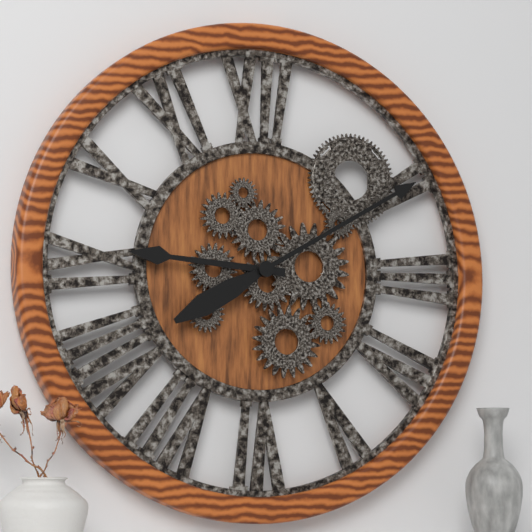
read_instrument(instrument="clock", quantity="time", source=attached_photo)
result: 9:10
